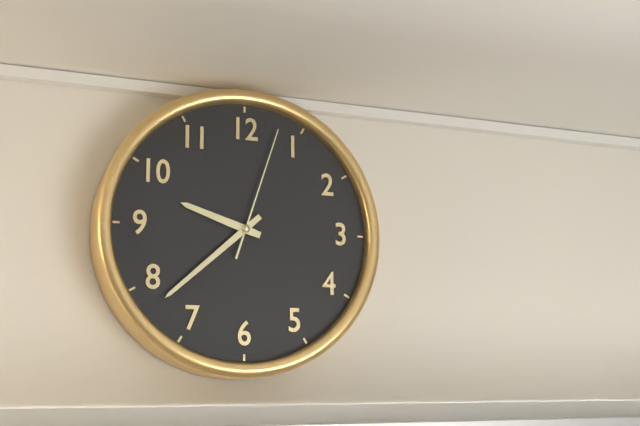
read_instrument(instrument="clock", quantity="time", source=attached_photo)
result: 9:38:03
